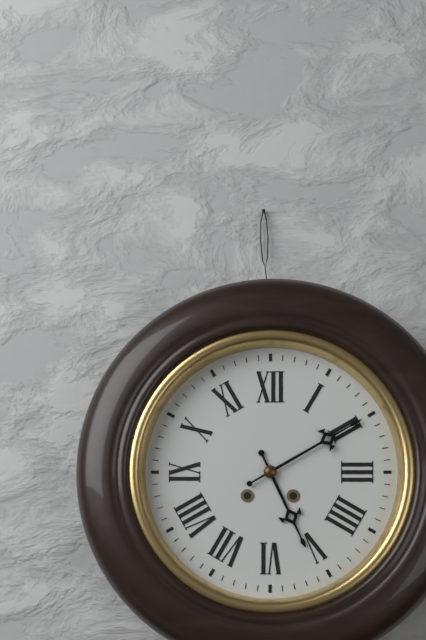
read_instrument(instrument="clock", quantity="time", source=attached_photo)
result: 5:10
